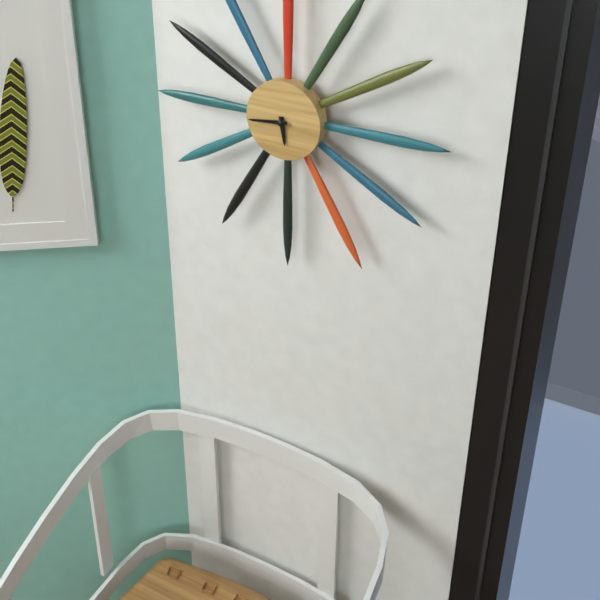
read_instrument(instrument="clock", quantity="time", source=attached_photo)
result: 5:44
